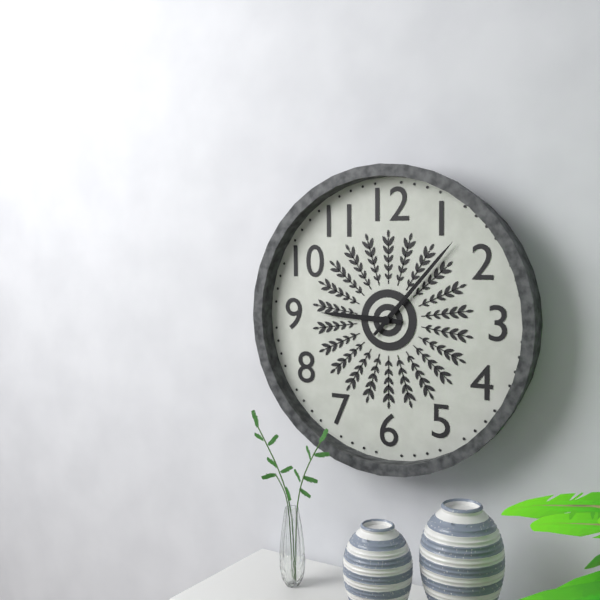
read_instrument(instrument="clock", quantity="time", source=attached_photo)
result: 9:07
